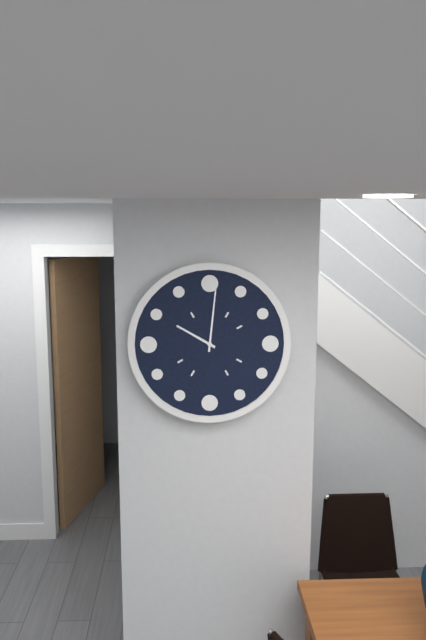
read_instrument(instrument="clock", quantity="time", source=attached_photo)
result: 10:01
